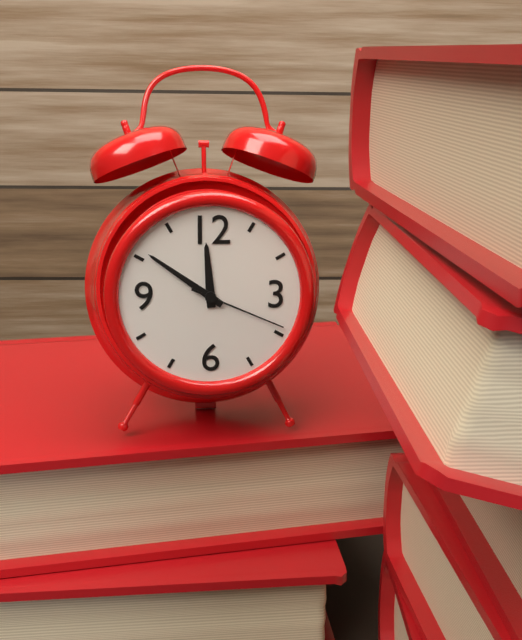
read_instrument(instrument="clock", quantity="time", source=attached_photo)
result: 11:51:19
